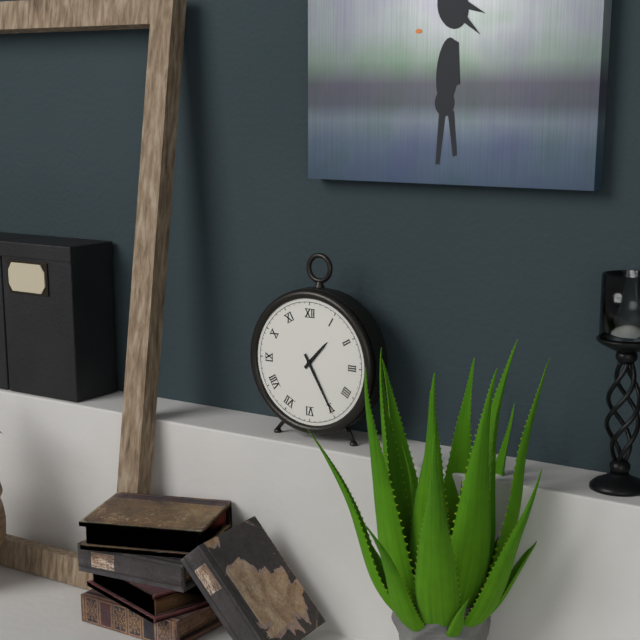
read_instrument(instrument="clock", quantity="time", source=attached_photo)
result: 1:25
